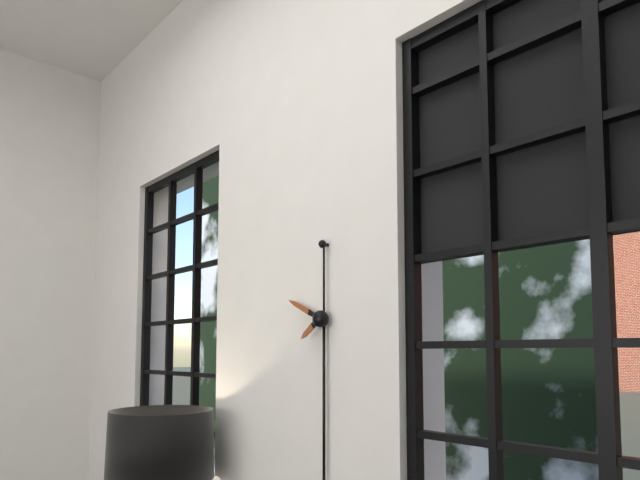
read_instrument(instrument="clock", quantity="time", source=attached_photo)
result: 7:49
